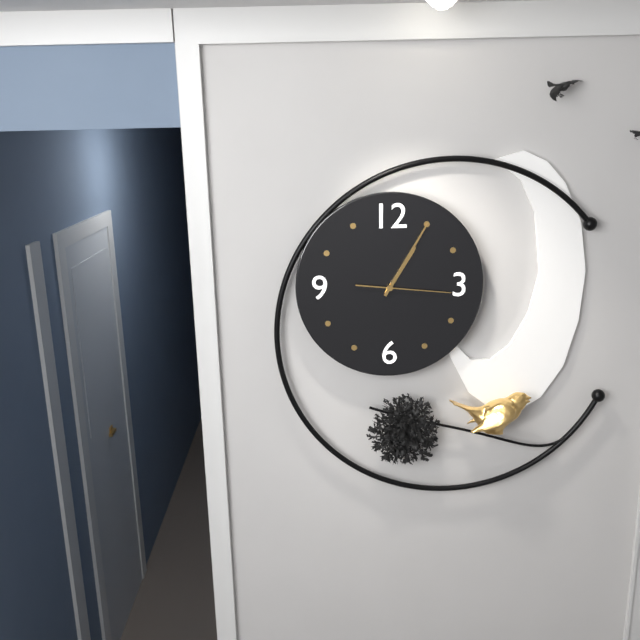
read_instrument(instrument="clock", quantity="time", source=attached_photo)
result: 1:05:16
